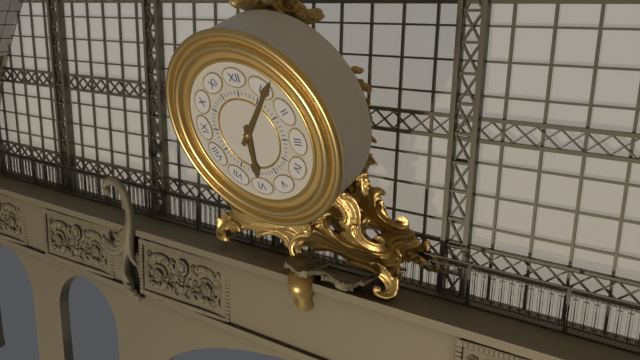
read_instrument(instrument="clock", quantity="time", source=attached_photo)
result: 6:06
